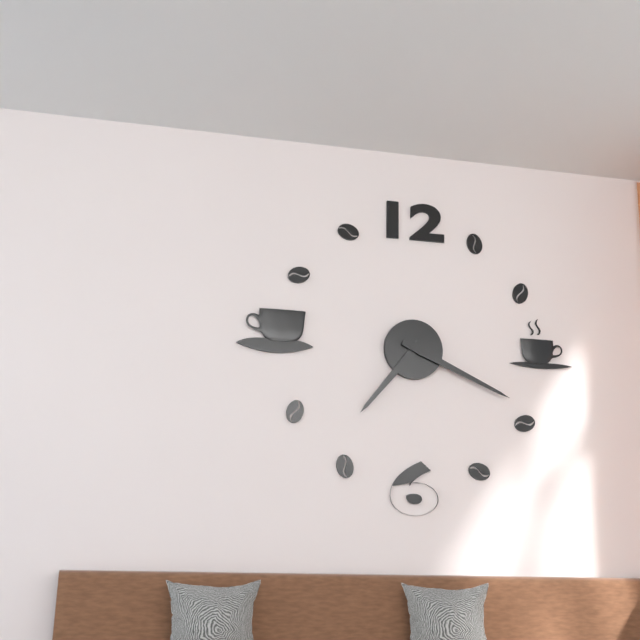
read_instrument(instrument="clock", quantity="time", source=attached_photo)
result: 7:19
